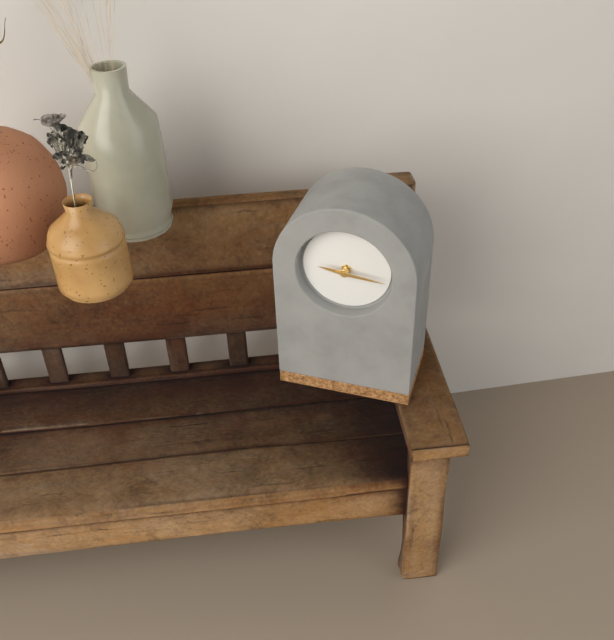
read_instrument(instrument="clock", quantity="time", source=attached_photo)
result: 9:16
